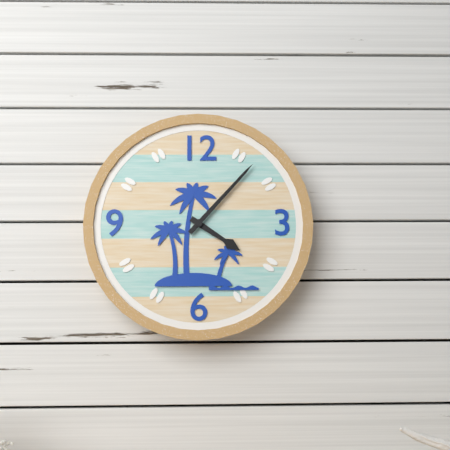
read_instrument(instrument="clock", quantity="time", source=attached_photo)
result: 4:07
